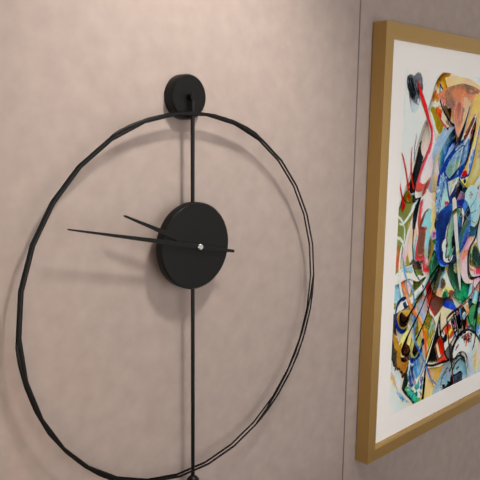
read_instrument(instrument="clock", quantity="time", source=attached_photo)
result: 9:47
